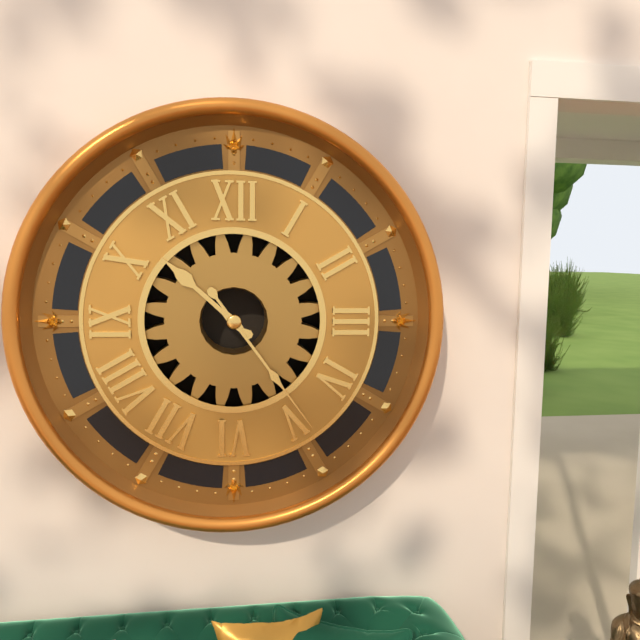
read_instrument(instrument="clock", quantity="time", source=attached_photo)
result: 10:24
